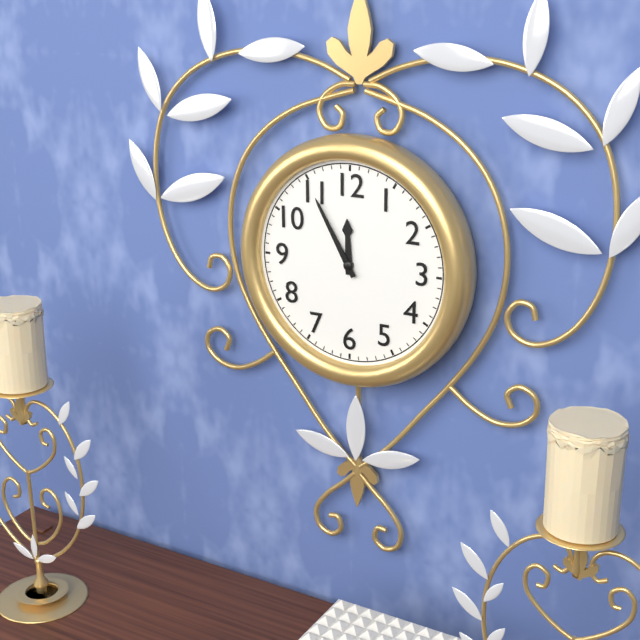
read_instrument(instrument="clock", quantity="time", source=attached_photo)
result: 11:55
